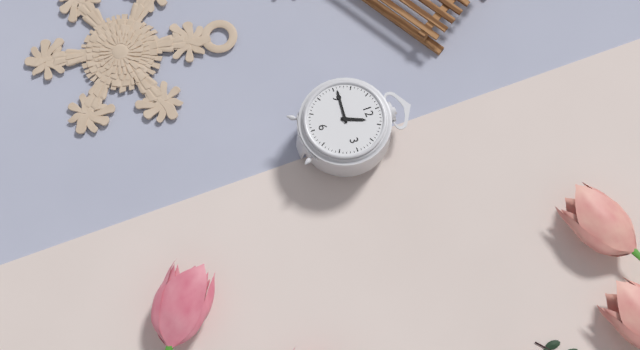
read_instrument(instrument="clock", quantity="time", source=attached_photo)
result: 12:46
